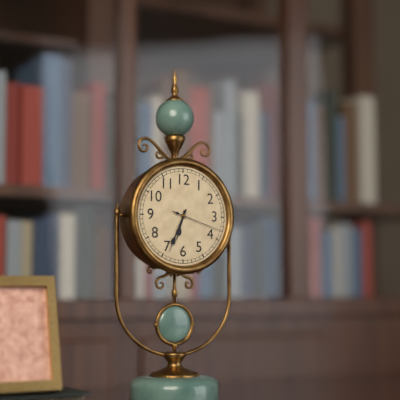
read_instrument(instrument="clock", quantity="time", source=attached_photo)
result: 6:34
